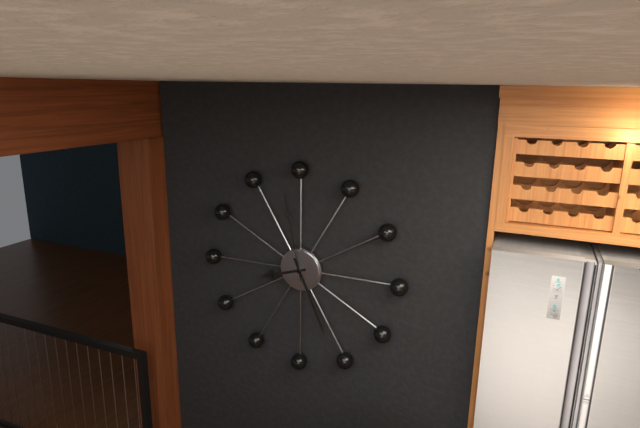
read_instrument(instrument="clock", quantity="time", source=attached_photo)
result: 8:26:58
